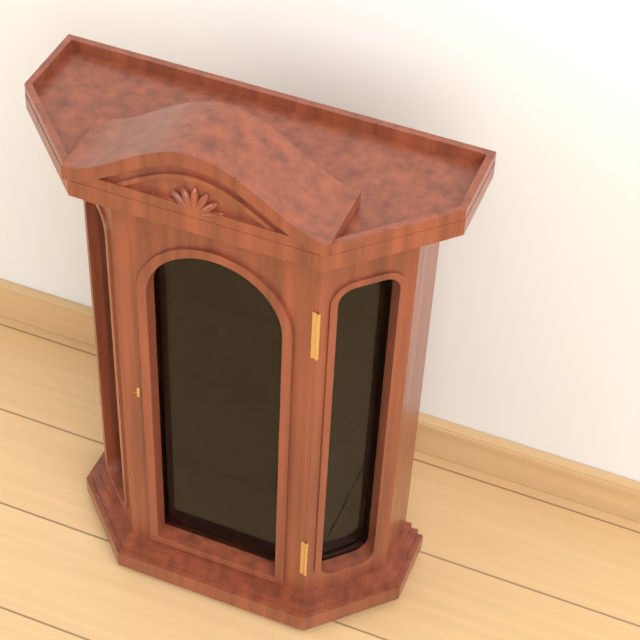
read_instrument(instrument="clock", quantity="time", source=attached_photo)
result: 3:16
